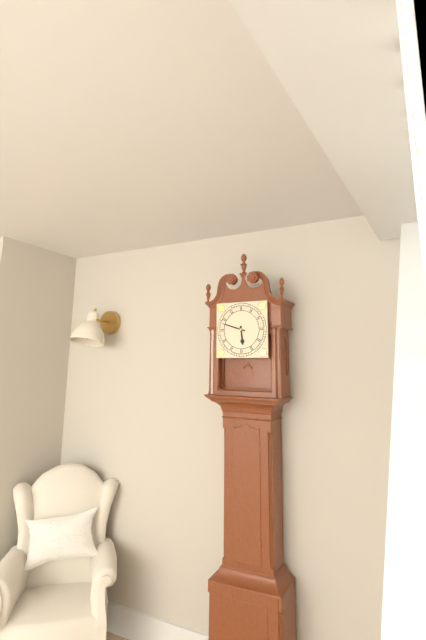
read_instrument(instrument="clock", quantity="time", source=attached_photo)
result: 5:48
